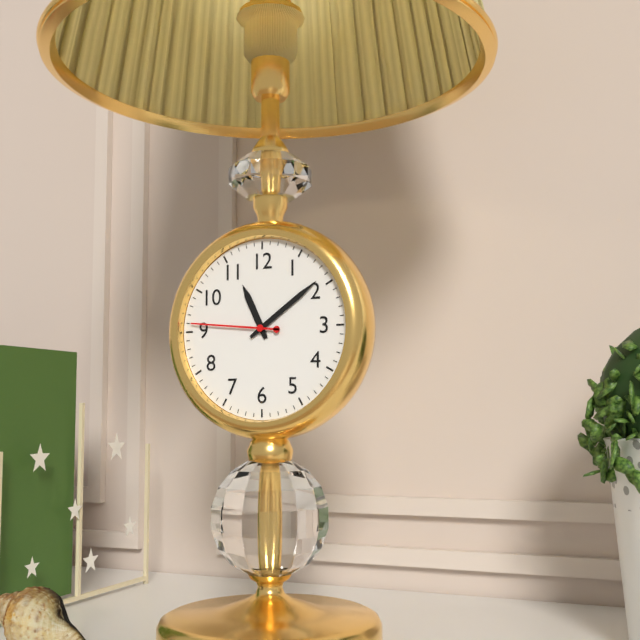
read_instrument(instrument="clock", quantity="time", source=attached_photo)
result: 11:09:46
